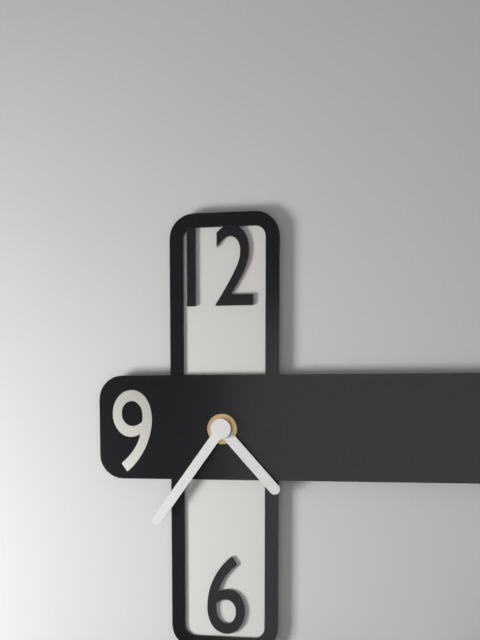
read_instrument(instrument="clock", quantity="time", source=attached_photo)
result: 4:36
